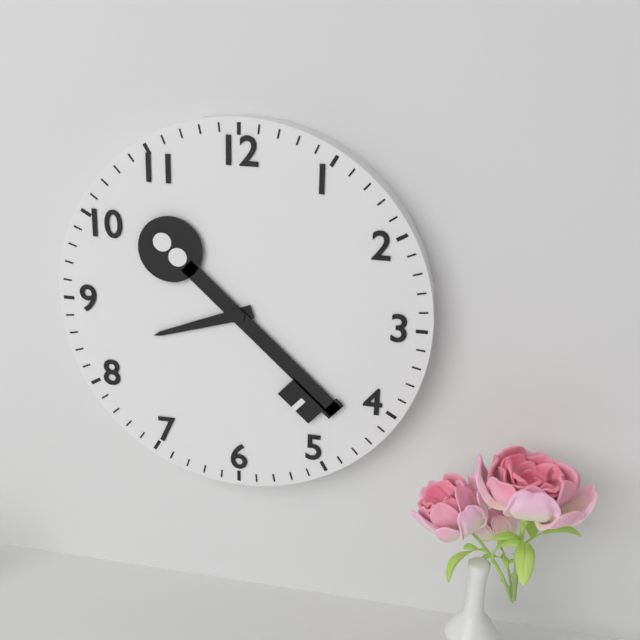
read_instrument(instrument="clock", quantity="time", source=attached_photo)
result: 8:22
